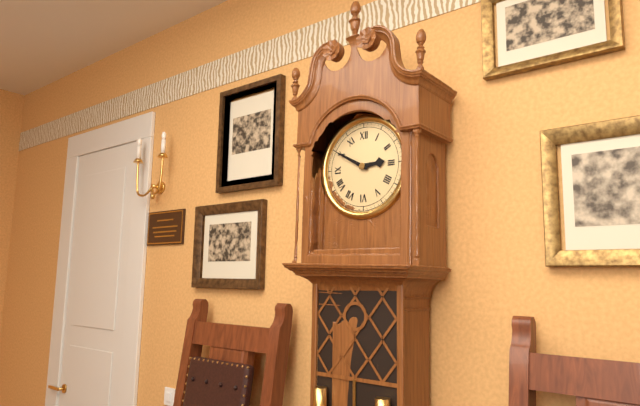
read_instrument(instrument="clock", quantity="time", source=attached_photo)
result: 2:50
